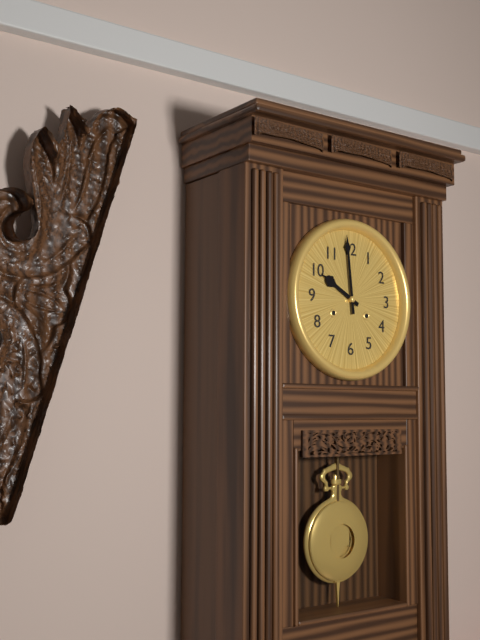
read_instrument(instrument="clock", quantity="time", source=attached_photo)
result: 9:59
